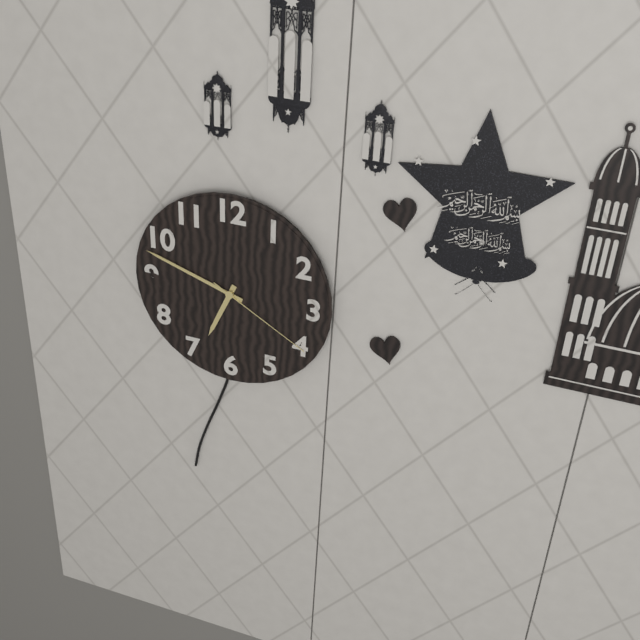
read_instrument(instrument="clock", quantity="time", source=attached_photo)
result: 6:48:20
